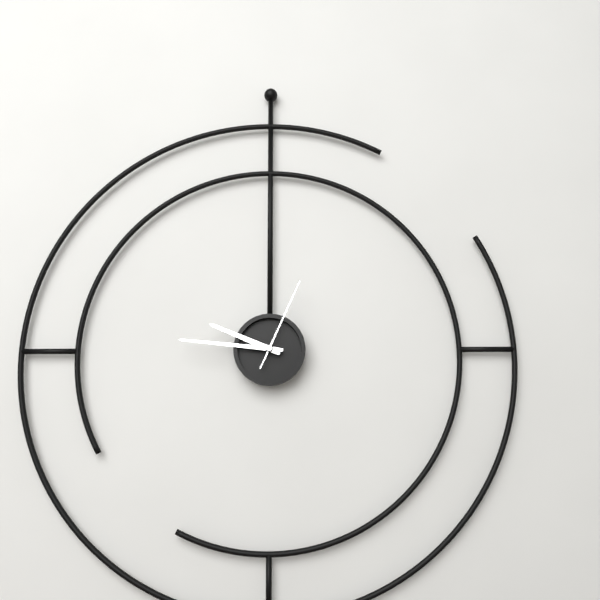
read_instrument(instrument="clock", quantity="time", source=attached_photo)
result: 9:46:04
